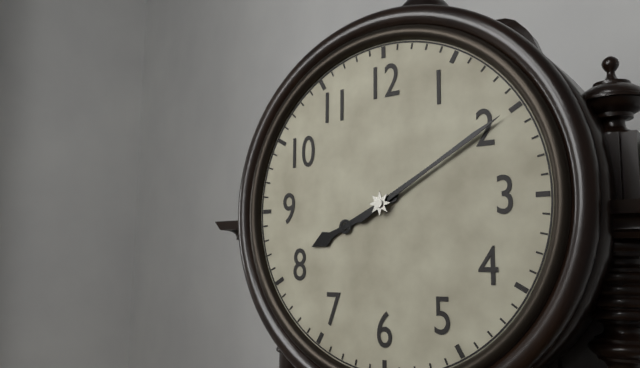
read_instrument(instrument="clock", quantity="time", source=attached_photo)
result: 8:10
